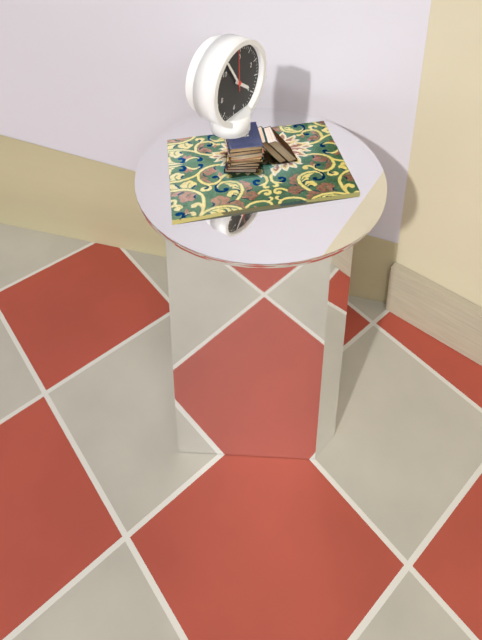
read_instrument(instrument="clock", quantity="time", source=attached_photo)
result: 3:53
